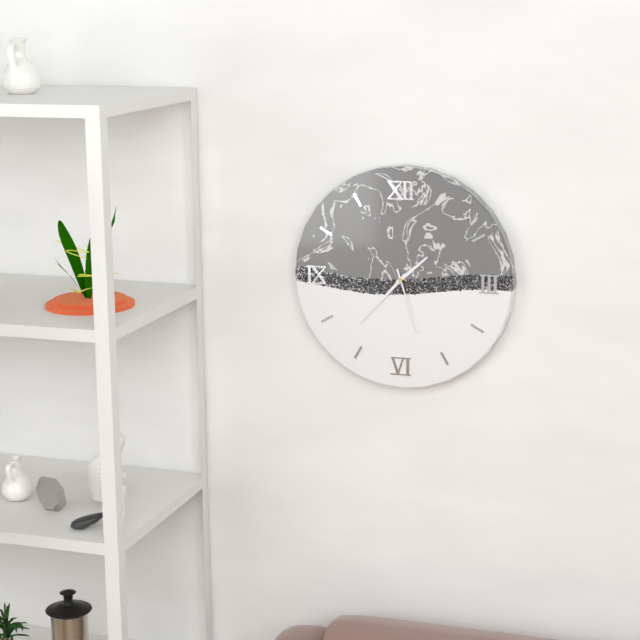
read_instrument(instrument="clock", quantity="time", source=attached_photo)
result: 1:37:27
